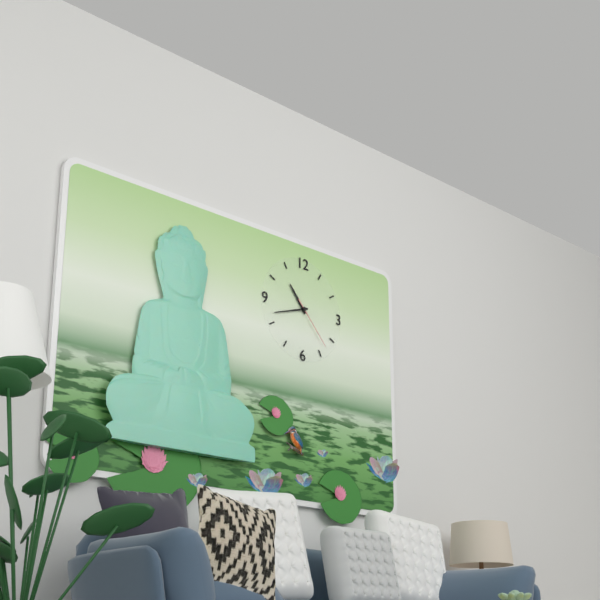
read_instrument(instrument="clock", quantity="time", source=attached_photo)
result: 10:42:23
